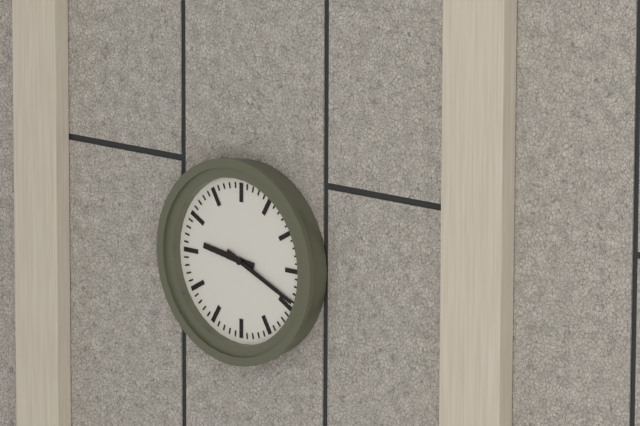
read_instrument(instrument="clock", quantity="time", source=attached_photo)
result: 9:19
